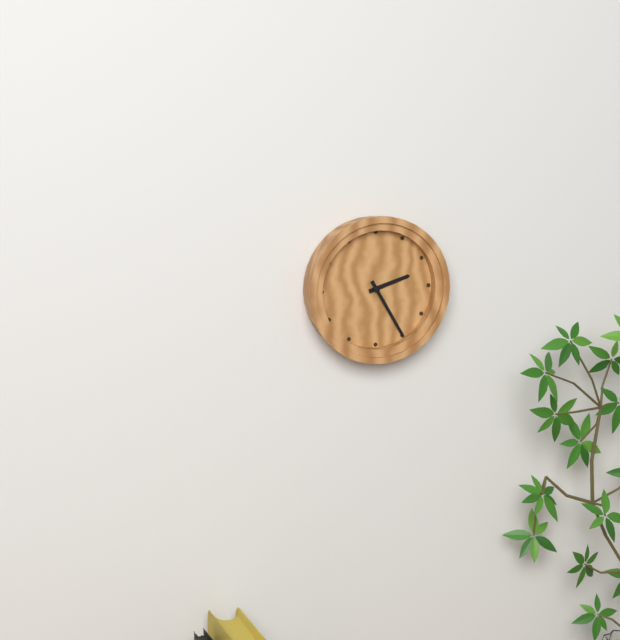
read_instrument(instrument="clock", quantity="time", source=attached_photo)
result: 2:25
